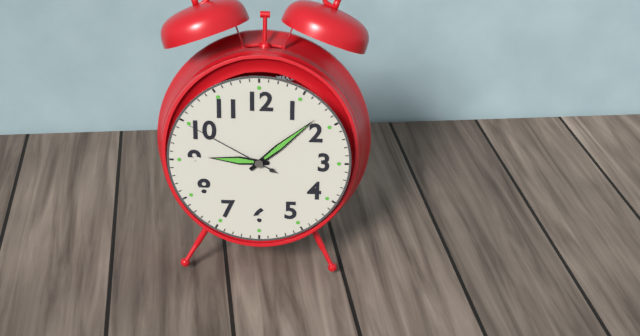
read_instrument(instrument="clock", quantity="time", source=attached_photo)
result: 9:08:50
